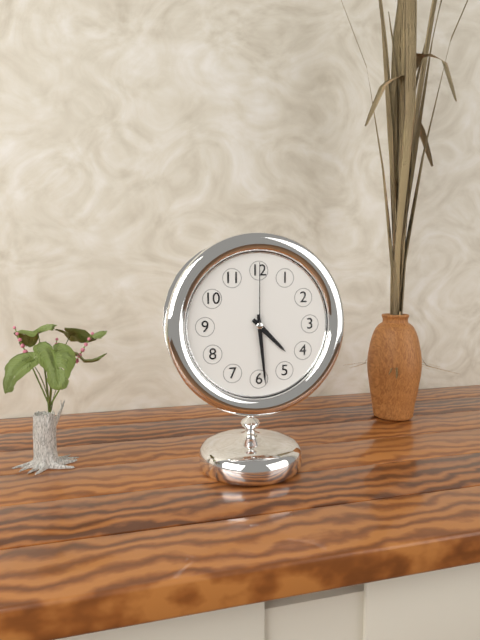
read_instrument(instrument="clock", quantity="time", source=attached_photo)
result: 4:29:00
